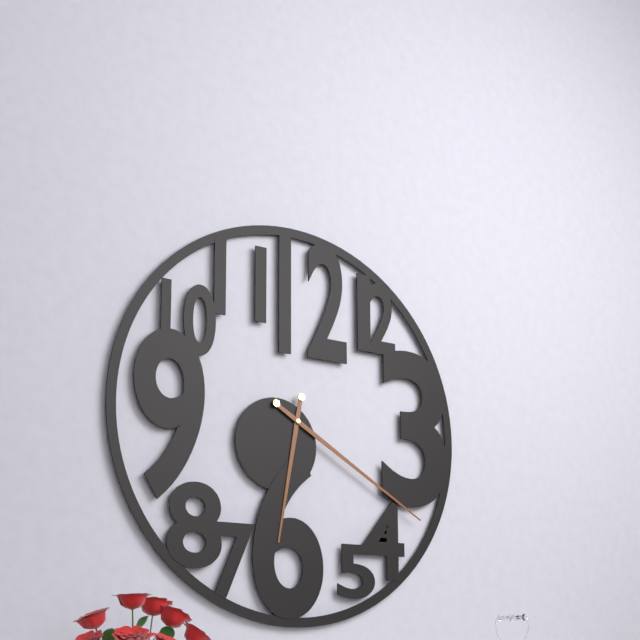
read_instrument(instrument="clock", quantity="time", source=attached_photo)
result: 6:20
